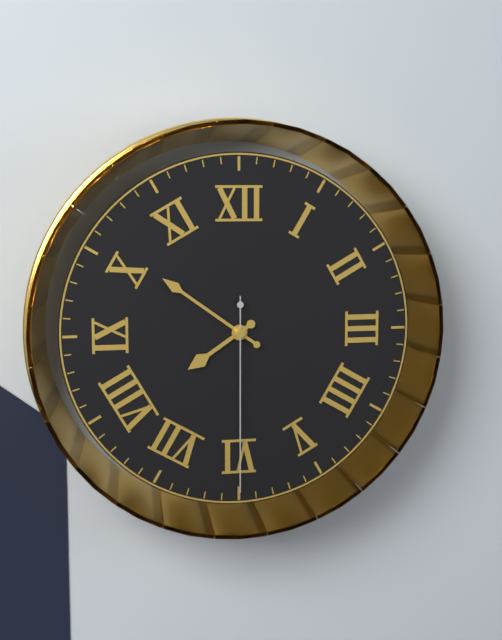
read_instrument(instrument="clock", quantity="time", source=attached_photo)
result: 7:51:30
